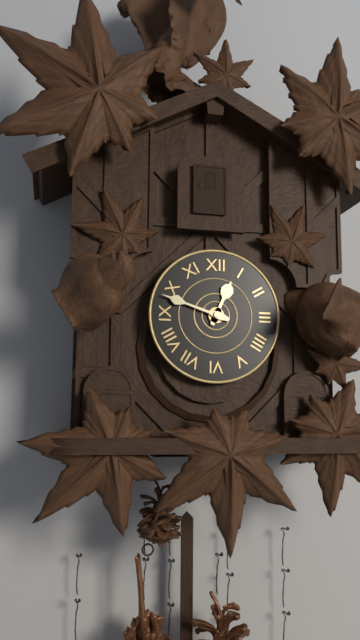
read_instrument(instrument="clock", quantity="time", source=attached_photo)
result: 12:48
